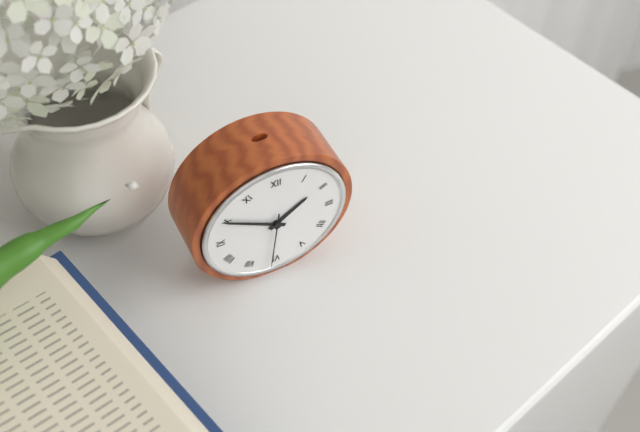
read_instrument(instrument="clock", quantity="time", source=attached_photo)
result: 1:50:31
